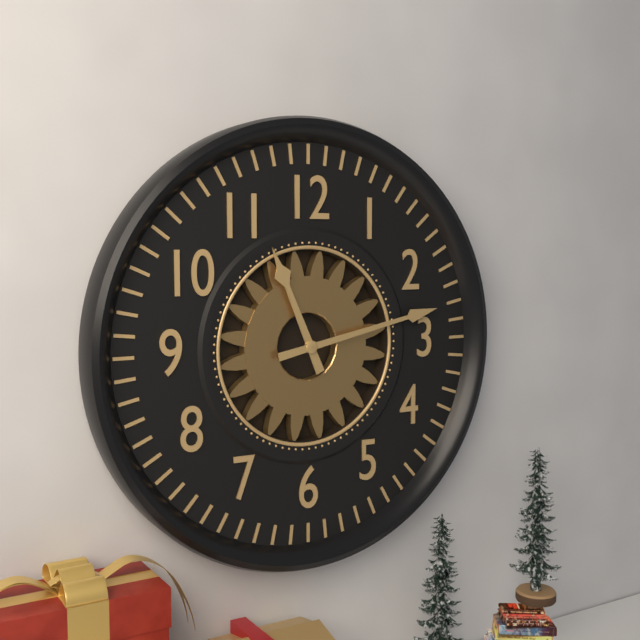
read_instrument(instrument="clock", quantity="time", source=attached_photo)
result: 11:13
